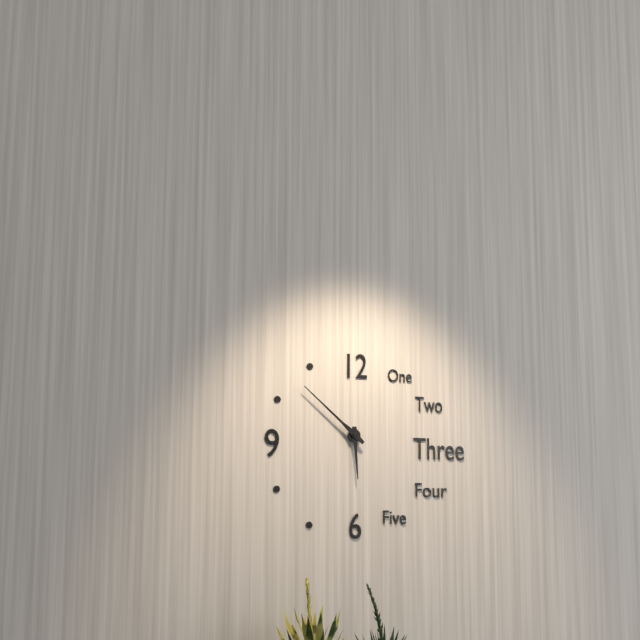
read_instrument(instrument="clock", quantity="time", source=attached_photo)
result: 5:52
